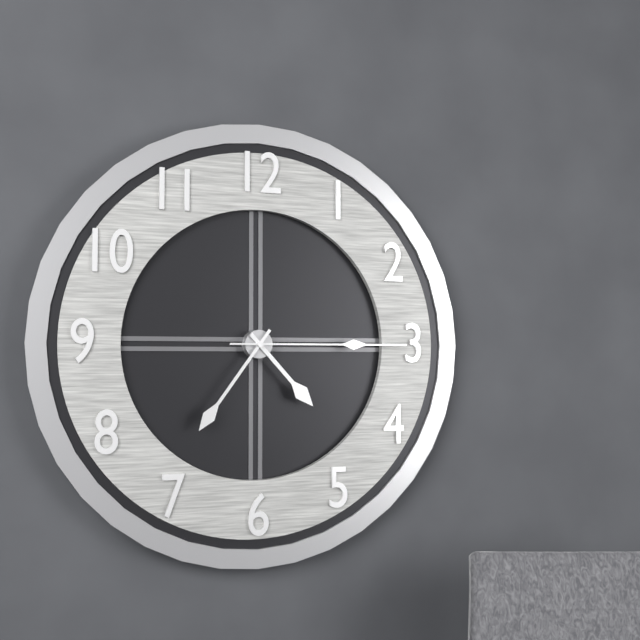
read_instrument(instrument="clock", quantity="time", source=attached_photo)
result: 4:36:15
